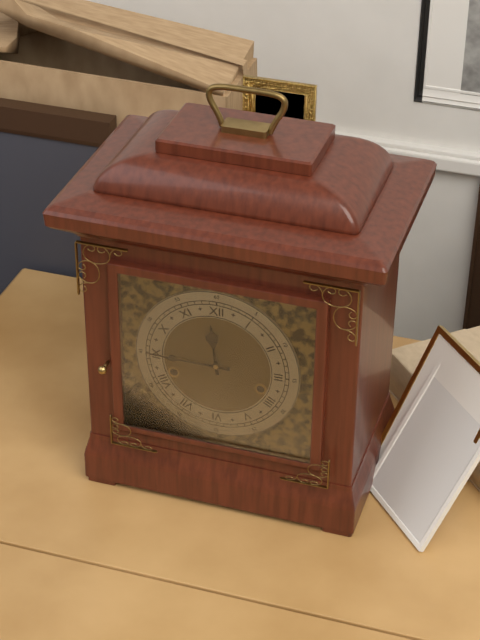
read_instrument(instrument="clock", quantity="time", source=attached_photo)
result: 11:45
